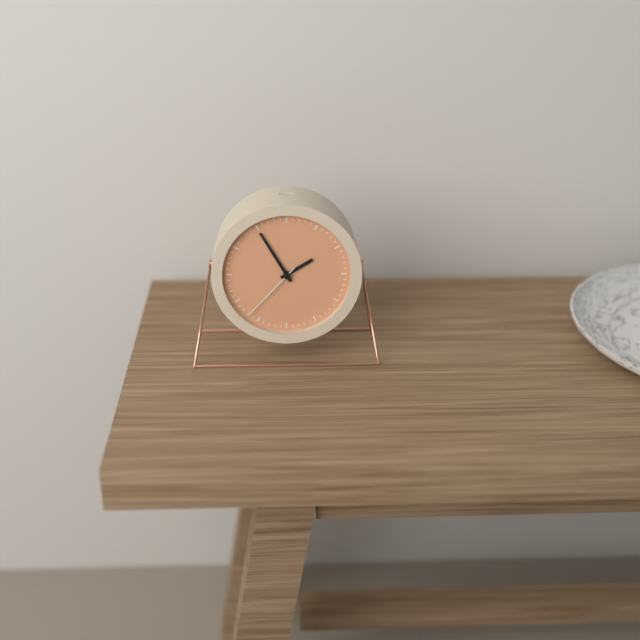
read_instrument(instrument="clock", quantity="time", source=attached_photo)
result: 1:55:37
